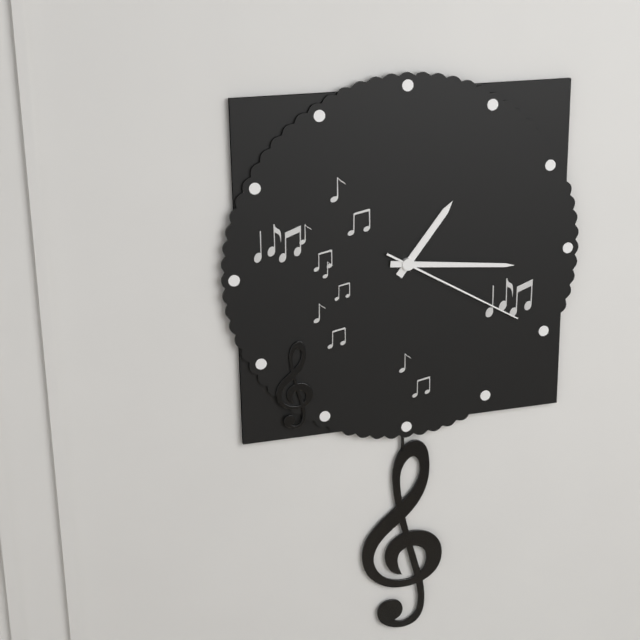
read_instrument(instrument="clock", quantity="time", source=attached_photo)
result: 1:16:20
